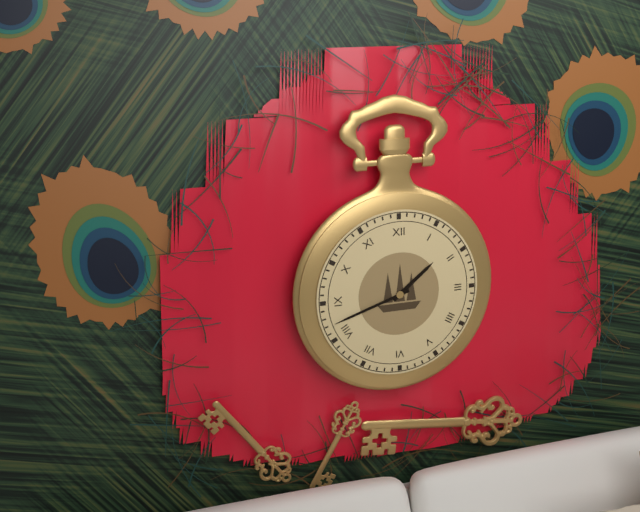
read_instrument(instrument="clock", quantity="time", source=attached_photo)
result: 1:42
